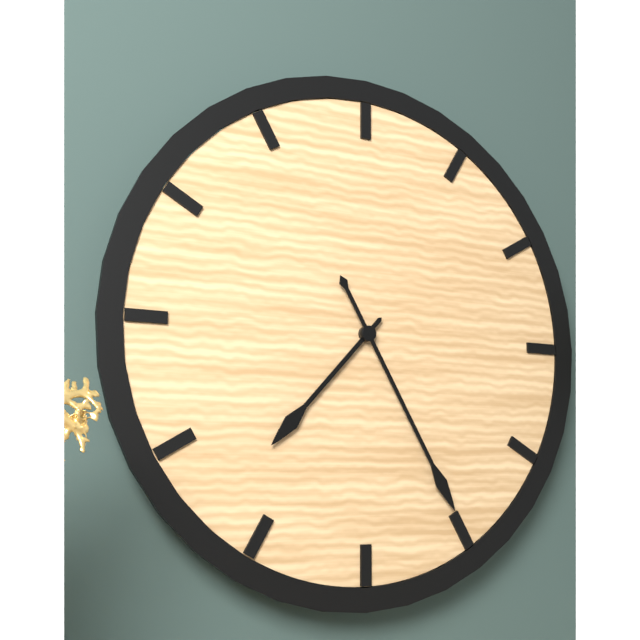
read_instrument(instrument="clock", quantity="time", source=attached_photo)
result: 7:25
